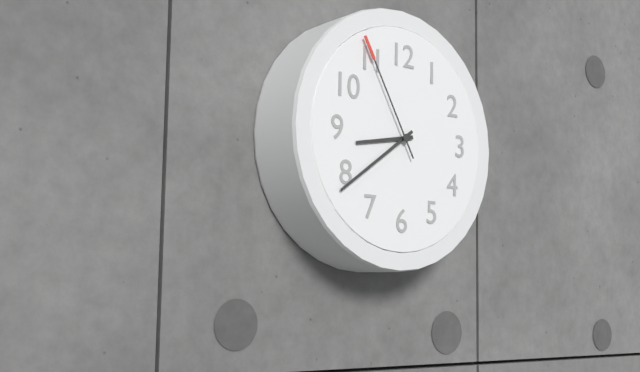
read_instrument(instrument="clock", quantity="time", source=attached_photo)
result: 8:39:55
